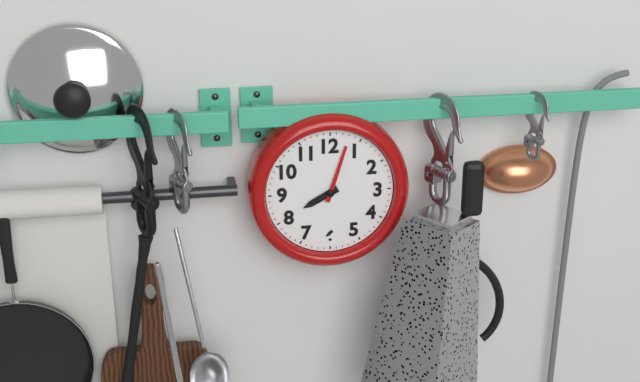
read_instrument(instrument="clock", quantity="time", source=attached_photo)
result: 8:03
